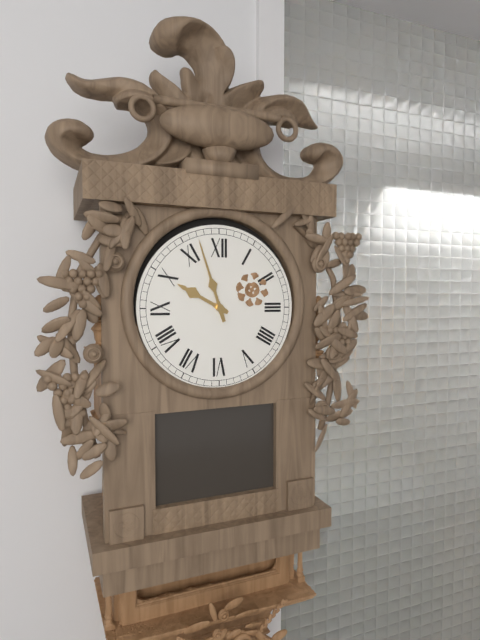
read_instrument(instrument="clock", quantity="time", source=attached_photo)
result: 9:57
